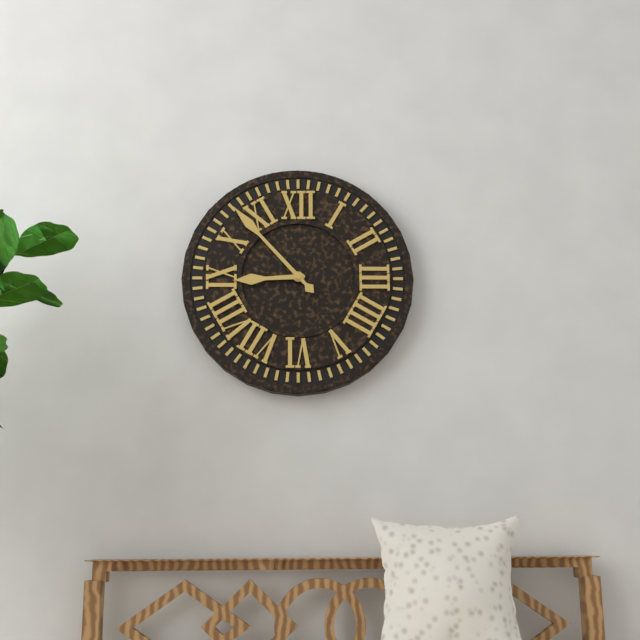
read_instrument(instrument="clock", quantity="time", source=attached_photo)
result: 8:53
